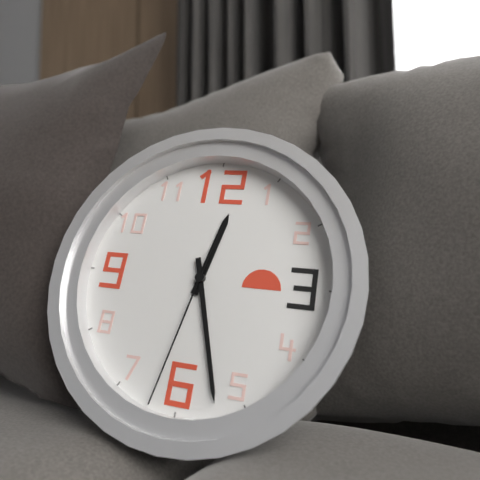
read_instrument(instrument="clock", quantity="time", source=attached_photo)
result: 12:27:32
